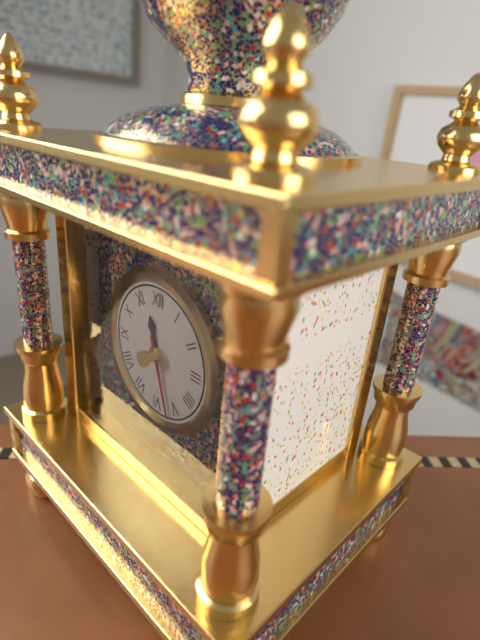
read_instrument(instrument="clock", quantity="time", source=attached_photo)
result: 11:27
